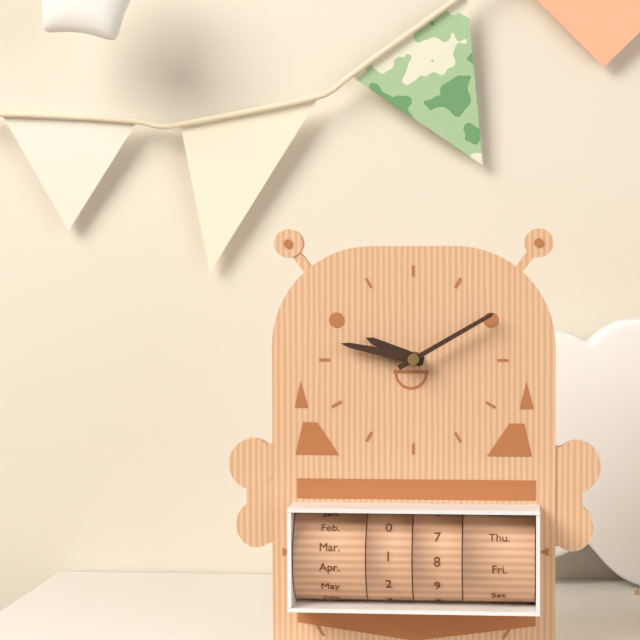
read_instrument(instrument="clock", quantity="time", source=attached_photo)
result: 9:47:10
